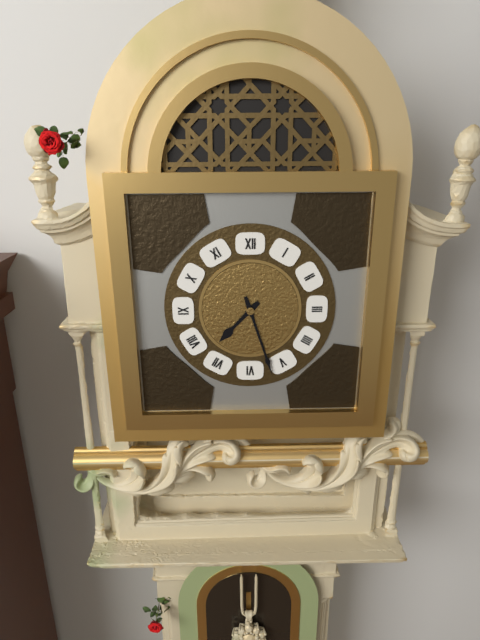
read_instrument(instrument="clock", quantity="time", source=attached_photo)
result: 7:27
